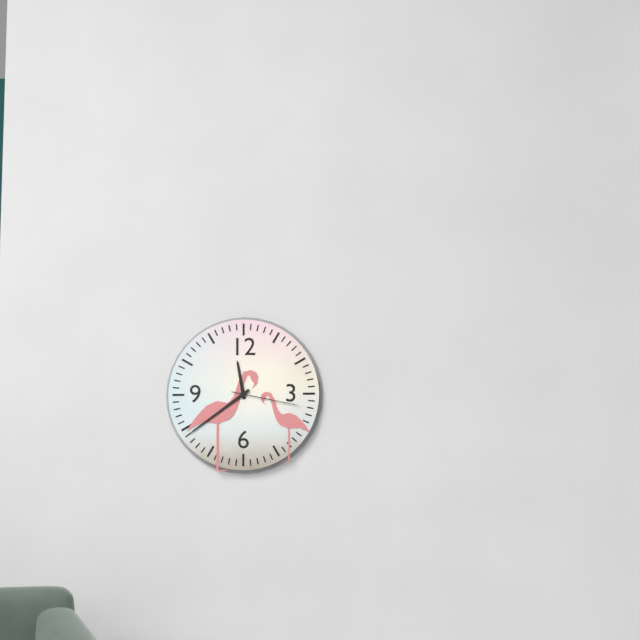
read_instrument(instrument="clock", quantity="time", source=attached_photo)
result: 11:39:17
